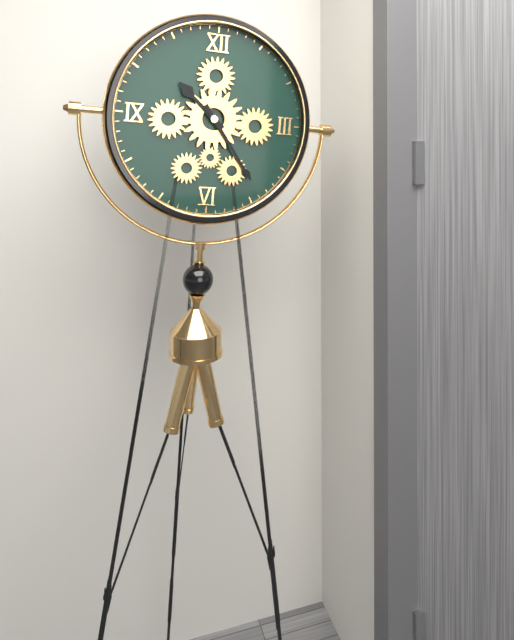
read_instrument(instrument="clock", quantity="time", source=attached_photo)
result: 10:24
